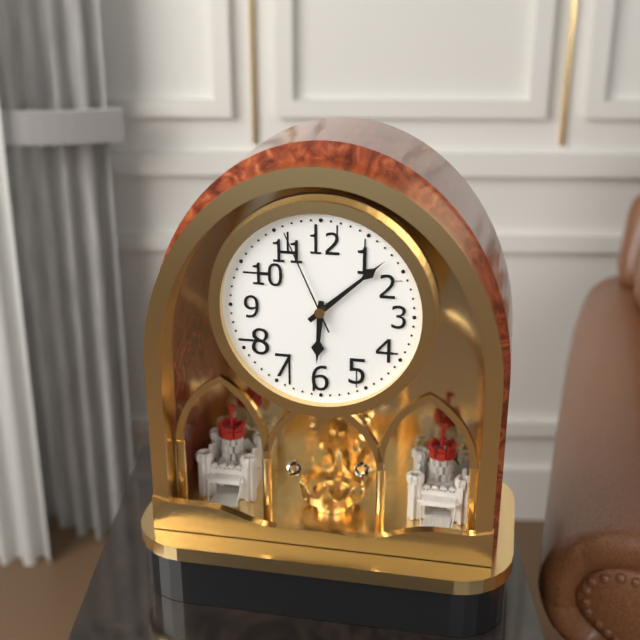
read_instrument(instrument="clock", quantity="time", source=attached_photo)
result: 6:08:56
